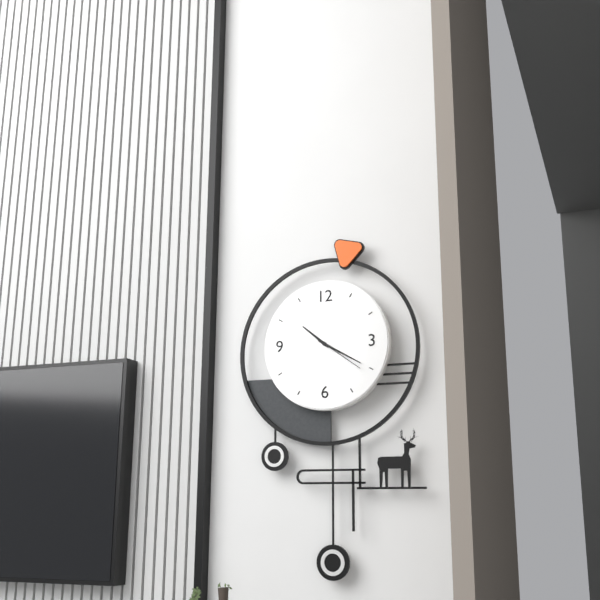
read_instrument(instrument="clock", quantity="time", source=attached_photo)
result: 10:20:21
